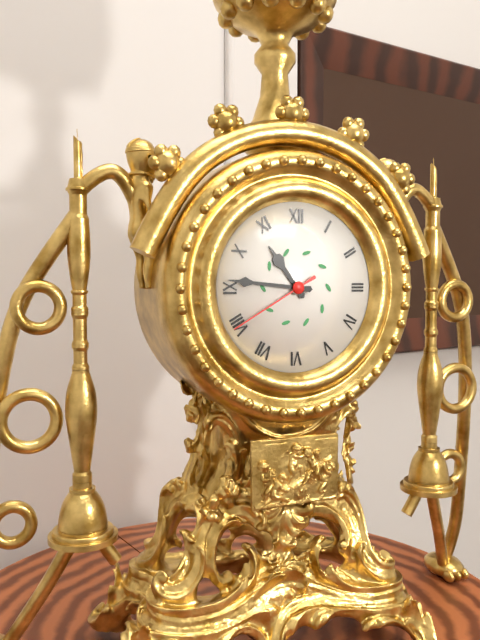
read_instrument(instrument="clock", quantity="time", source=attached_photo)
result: 10:46:40
